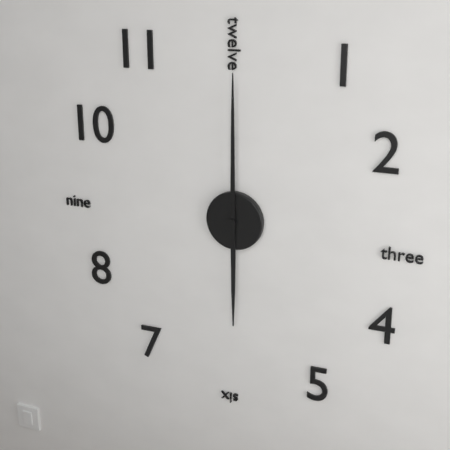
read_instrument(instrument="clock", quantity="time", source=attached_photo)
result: 6:00
